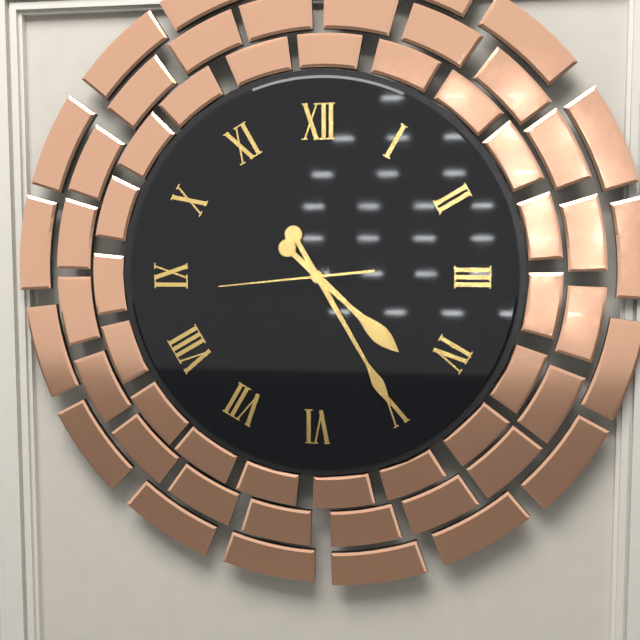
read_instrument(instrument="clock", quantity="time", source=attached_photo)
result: 4:25:44
